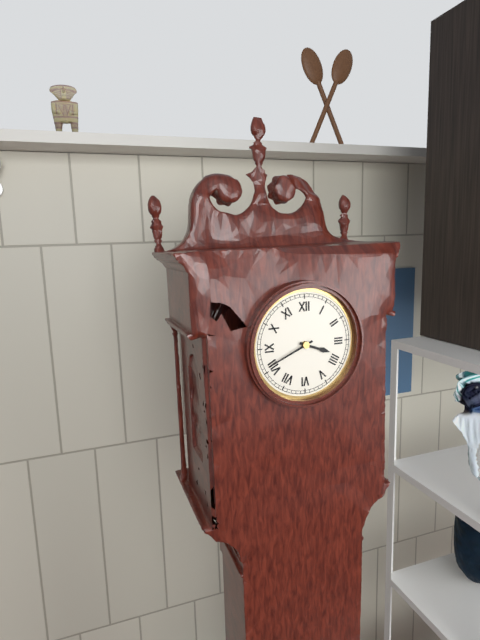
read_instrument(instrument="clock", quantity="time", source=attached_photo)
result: 3:41
